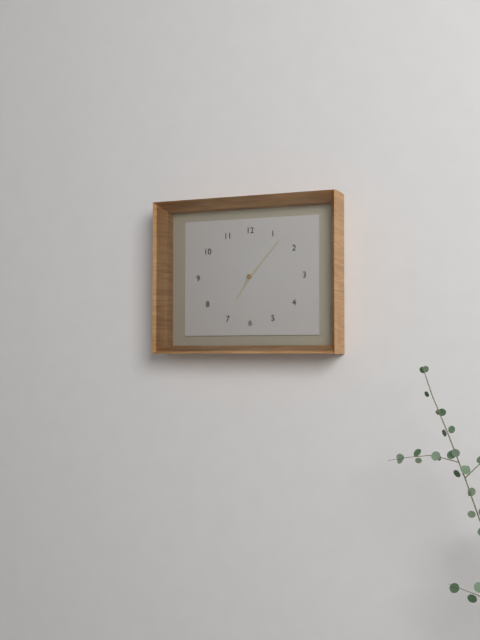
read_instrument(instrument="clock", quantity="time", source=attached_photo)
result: 7:07
